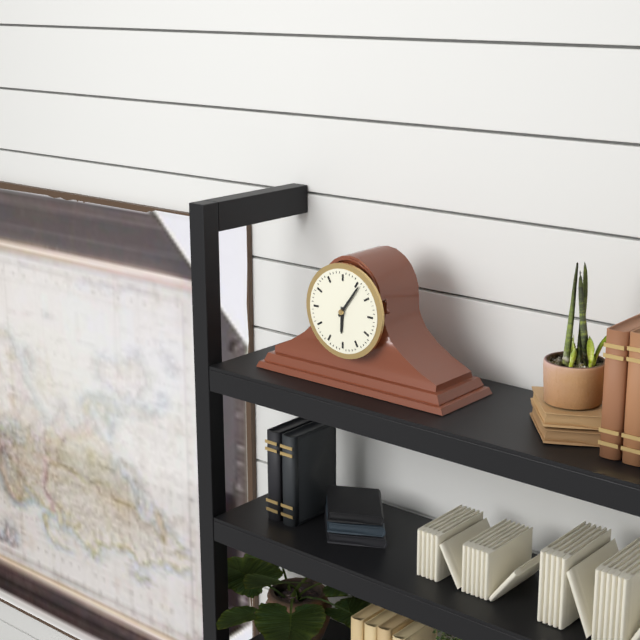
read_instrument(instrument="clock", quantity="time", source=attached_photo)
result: 6:06
